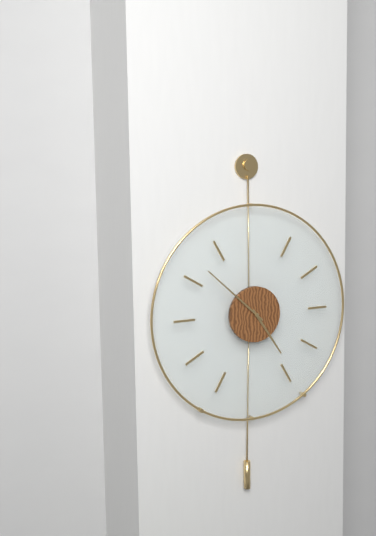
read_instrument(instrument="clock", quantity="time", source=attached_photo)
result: 4:52
